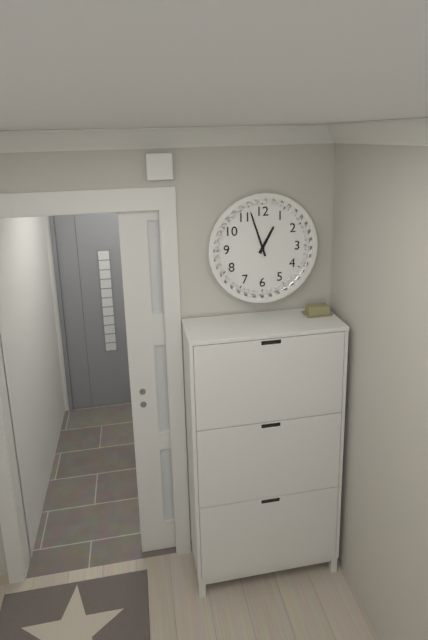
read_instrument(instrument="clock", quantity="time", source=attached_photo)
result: 12:57
